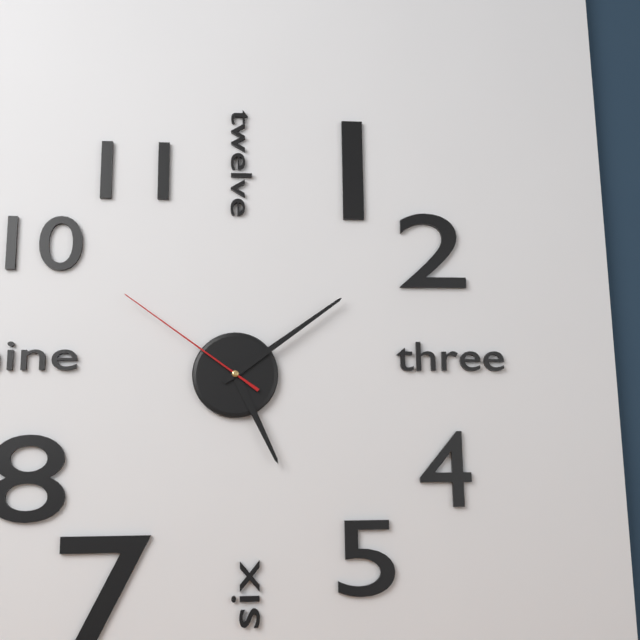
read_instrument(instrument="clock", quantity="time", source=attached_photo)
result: 5:09:51
